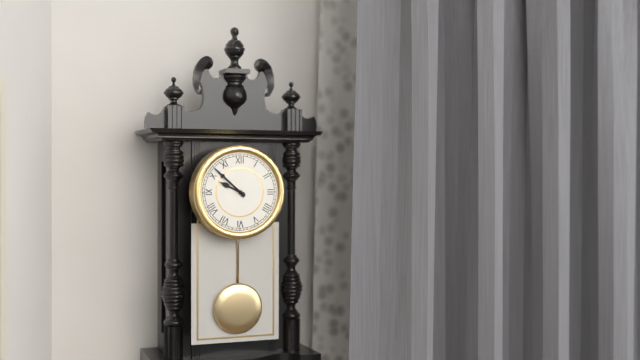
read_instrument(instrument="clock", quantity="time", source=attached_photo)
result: 9:52
